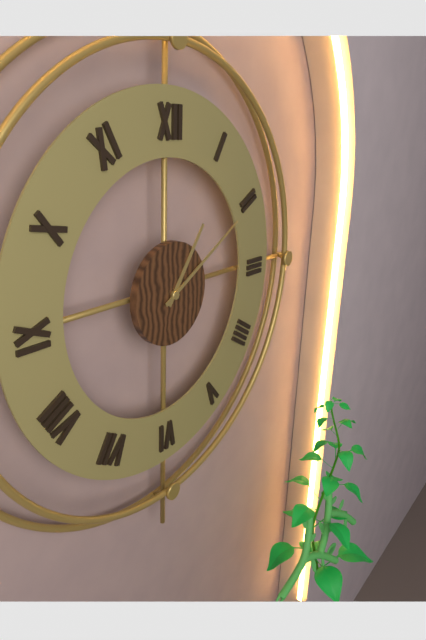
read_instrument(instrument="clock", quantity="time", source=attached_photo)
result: 1:10
